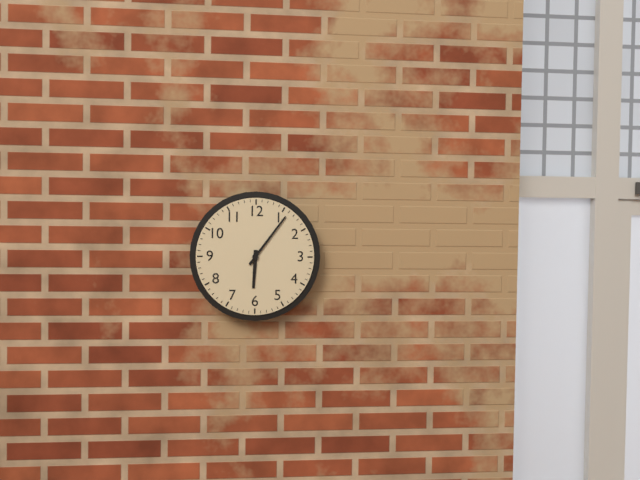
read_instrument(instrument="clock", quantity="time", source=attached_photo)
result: 6:06
